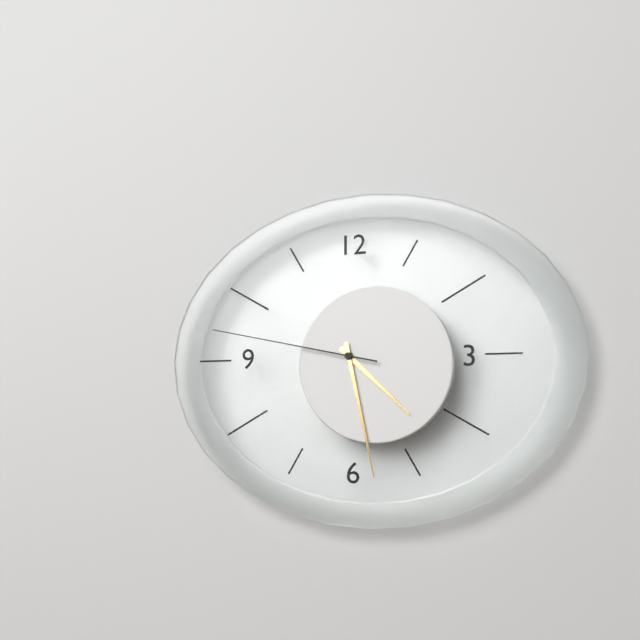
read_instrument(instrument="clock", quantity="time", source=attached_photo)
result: 4:28:47
